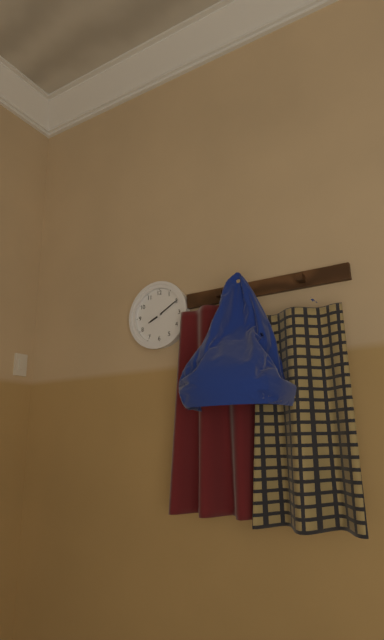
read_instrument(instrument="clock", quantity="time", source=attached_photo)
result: 8:10
